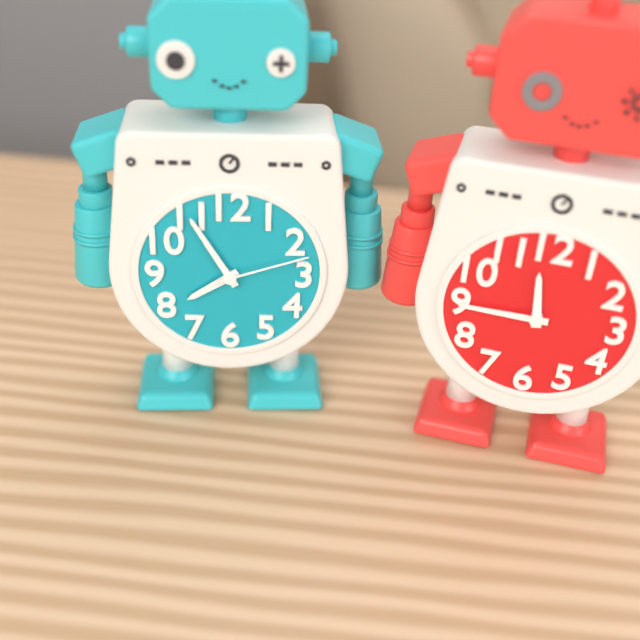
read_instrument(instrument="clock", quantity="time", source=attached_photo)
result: 7:55:12
